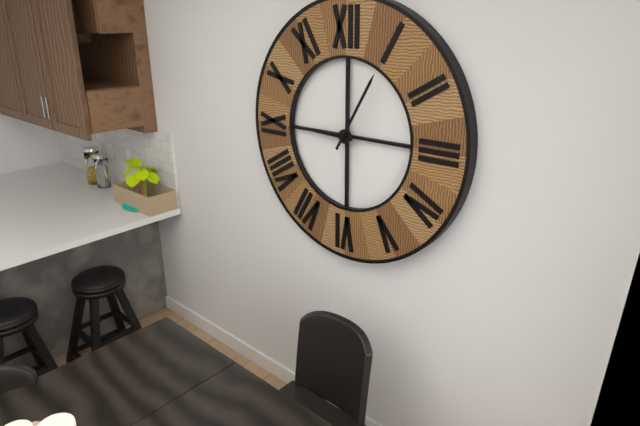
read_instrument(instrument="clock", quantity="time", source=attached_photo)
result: 9:05
